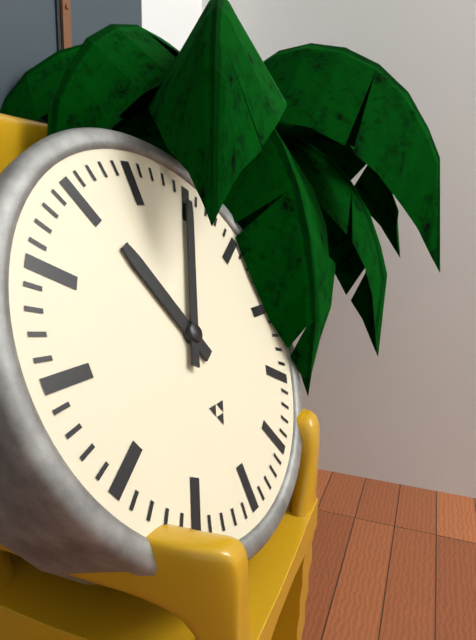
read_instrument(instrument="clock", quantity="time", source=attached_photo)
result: 11:05
